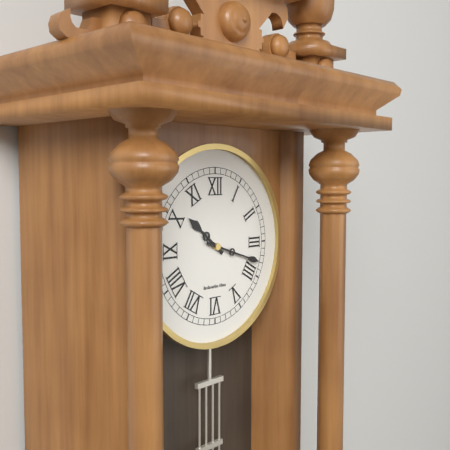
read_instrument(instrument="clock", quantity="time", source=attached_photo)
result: 10:18
